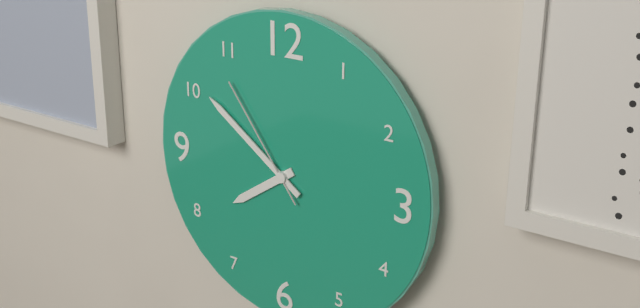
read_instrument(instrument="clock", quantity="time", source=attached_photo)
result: 7:51:54
